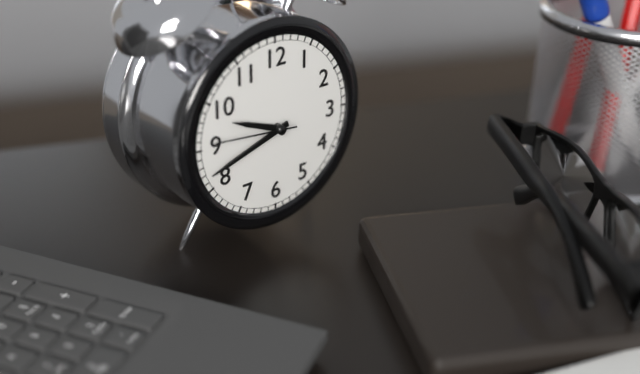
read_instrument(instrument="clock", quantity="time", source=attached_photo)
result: 9:42:46
